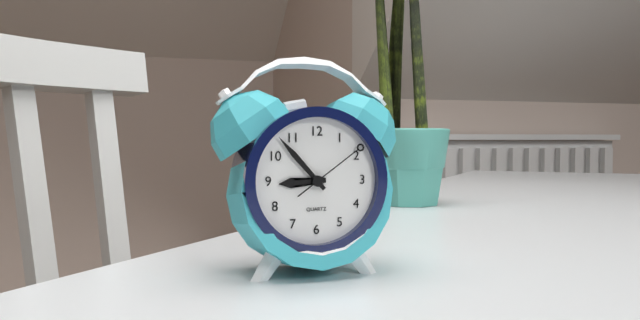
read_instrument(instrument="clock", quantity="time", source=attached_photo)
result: 8:53:09
